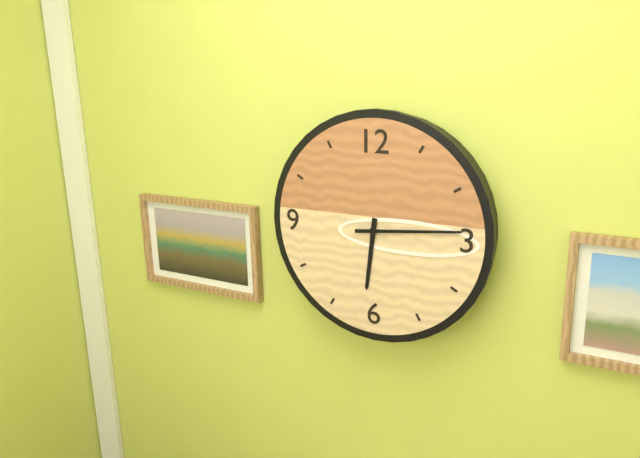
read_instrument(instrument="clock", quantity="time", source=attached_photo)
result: 6:14
